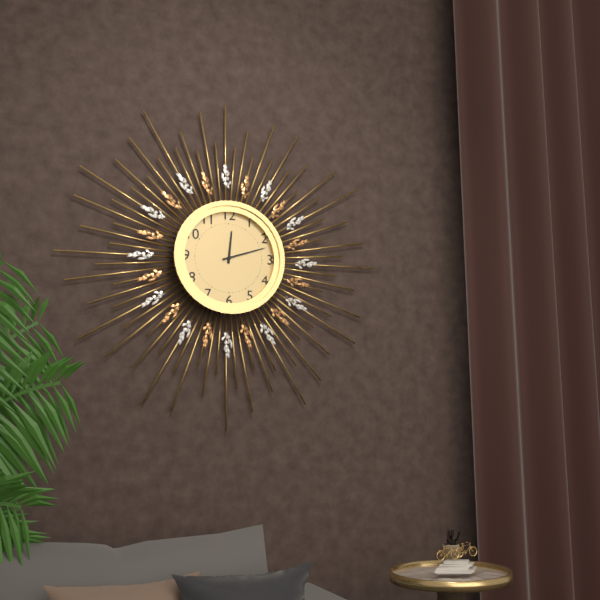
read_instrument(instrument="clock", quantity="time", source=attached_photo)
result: 12:12
